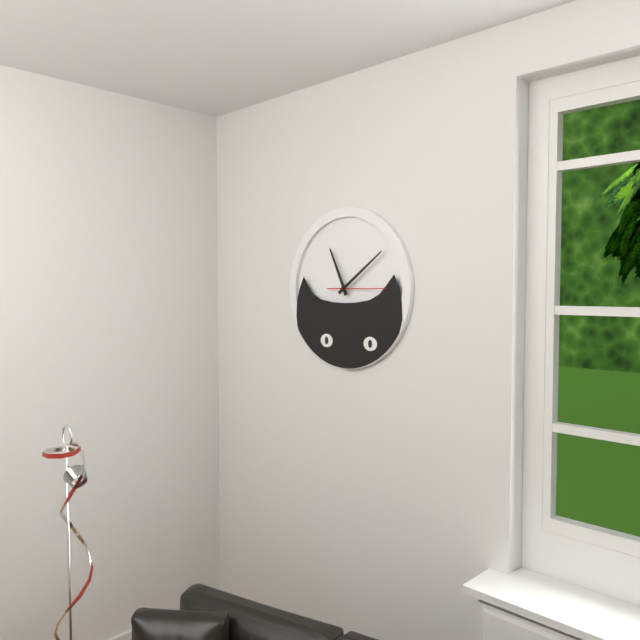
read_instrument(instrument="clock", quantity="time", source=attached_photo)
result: 11:09:15
